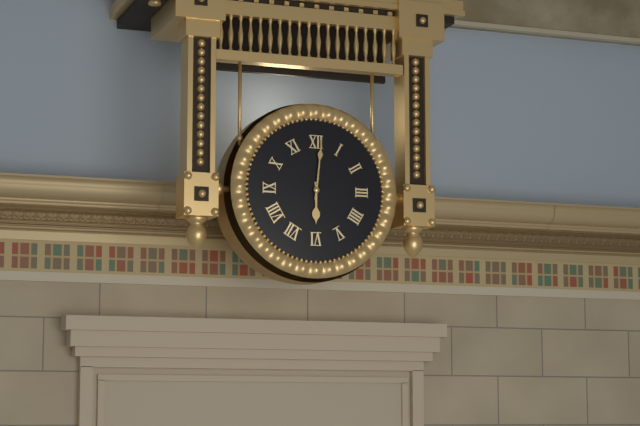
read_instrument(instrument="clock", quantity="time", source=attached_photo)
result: 6:01
